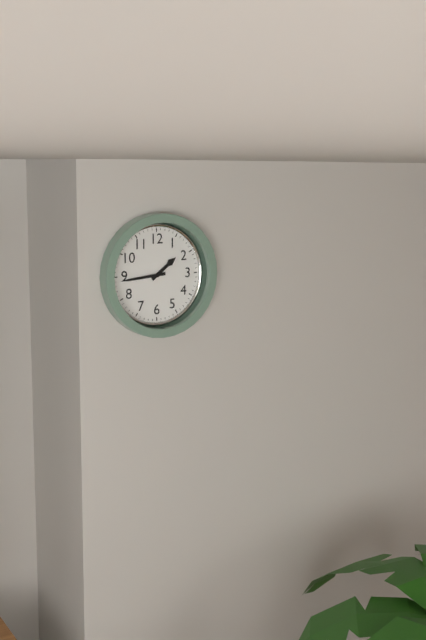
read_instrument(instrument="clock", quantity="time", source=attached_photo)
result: 1:44
